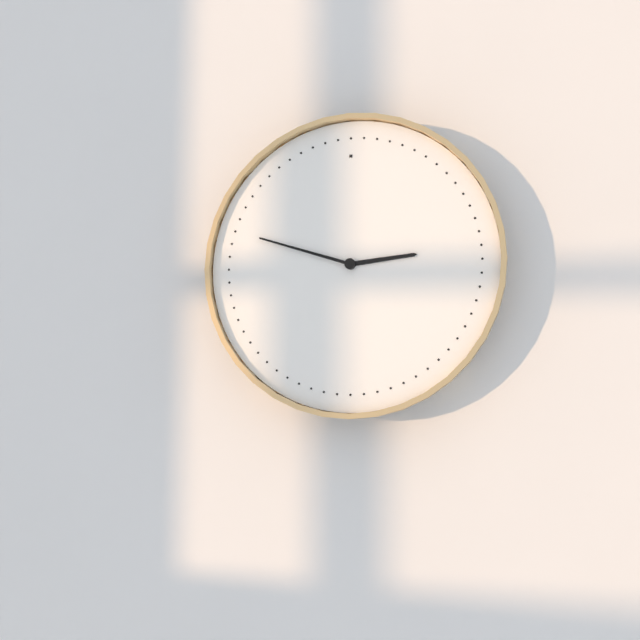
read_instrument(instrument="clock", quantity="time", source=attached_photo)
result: 2:48
